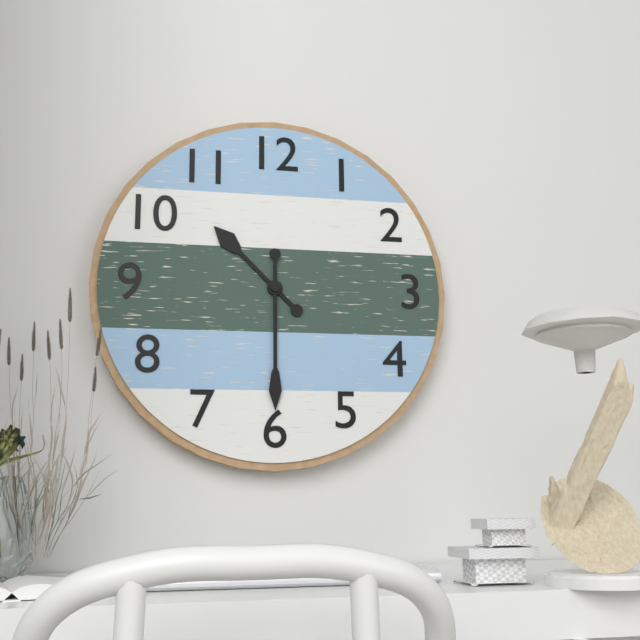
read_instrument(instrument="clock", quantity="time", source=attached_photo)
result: 10:30
